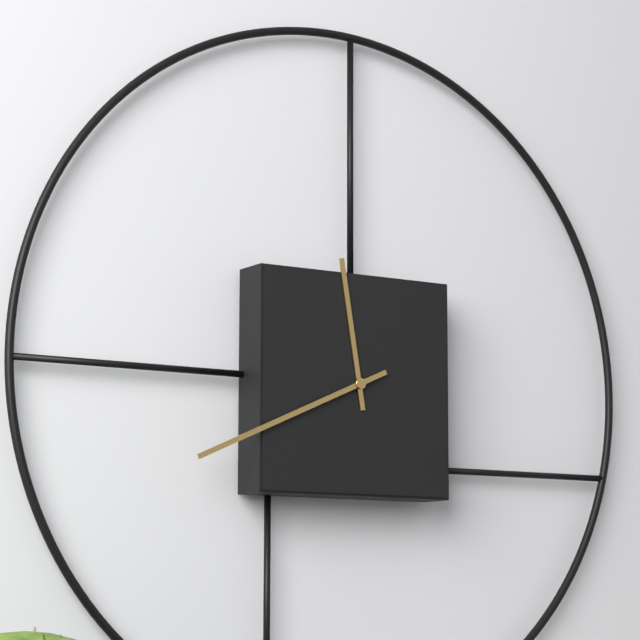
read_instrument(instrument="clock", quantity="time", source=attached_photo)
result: 11:41
